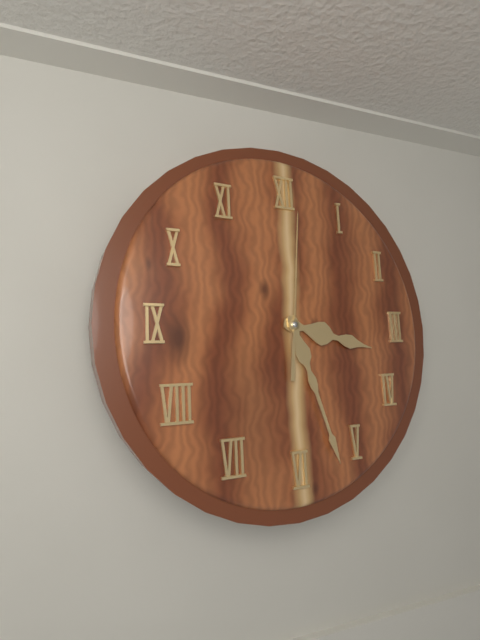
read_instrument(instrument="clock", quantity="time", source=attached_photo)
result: 3:27:01
